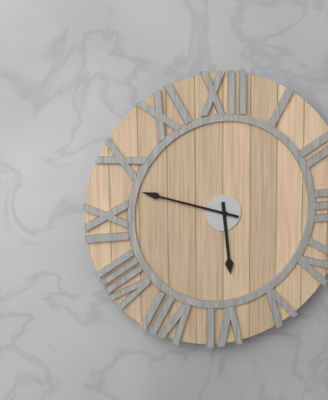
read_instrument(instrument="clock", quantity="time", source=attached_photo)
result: 5:48
